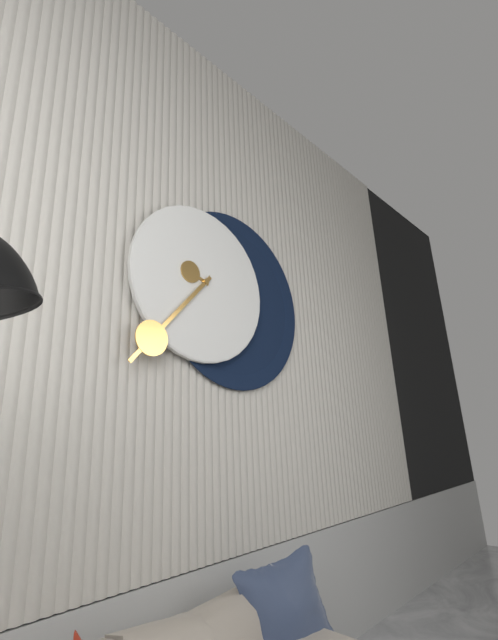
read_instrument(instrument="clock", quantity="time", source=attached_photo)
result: 9:37
